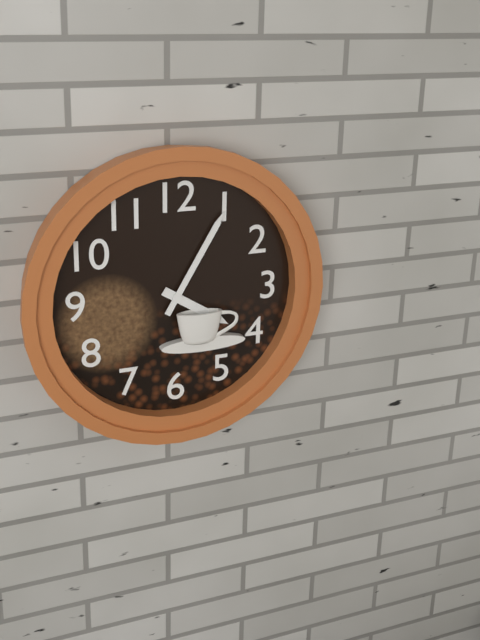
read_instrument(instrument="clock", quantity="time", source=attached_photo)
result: 4:05
